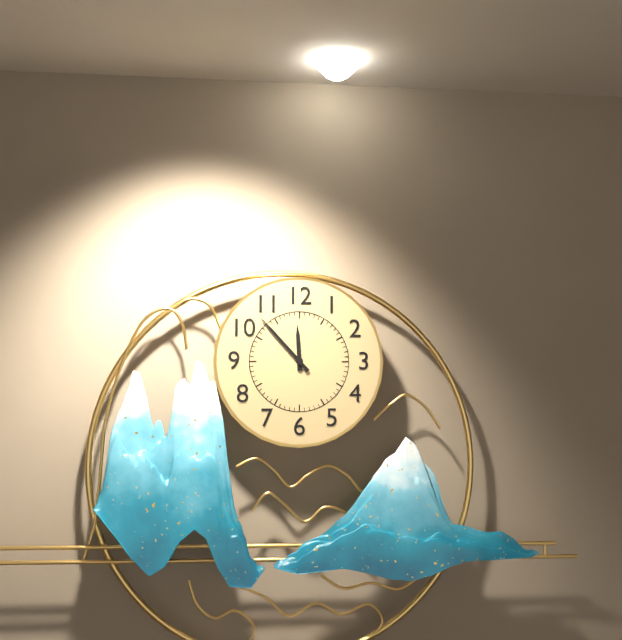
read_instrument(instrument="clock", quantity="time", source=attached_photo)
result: 11:53
